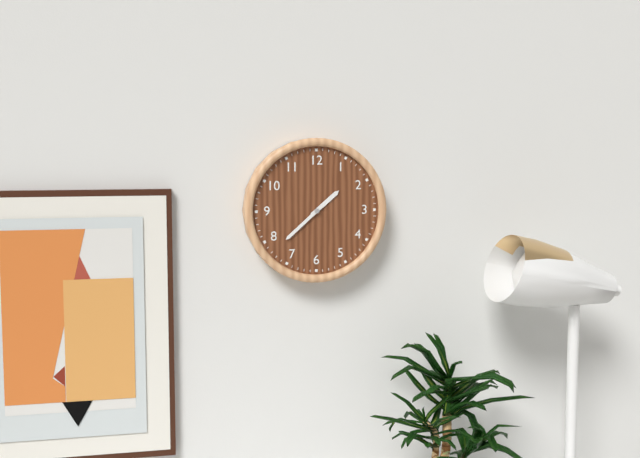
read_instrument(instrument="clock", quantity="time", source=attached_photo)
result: 1:38
